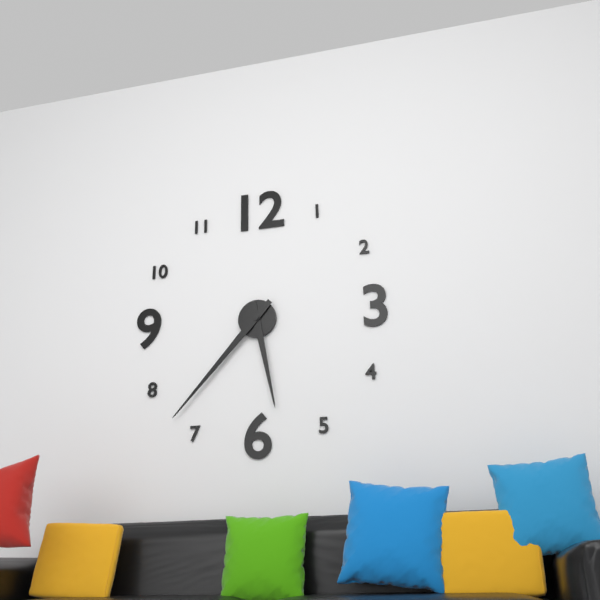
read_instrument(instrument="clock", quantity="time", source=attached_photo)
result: 5:37
